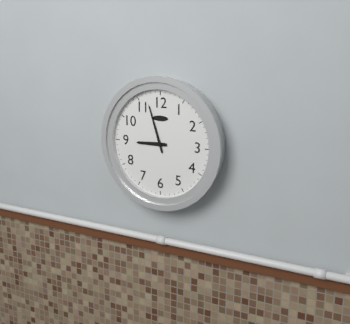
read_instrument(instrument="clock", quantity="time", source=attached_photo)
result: 8:57
